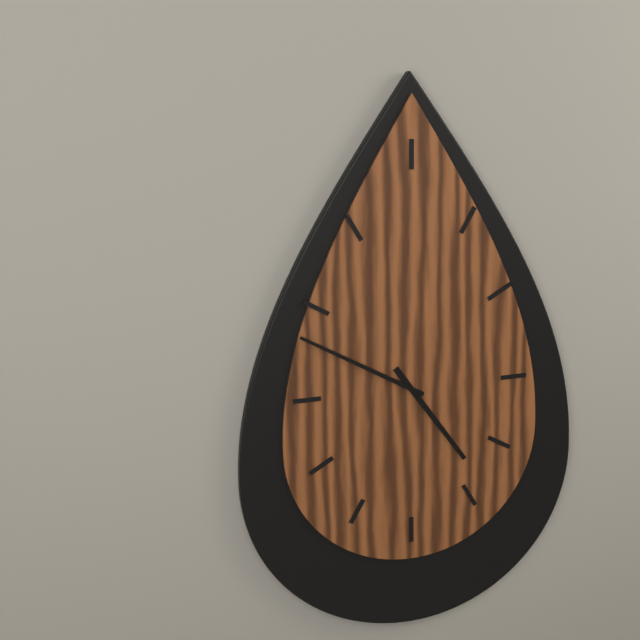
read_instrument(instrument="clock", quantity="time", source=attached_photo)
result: 4:50
